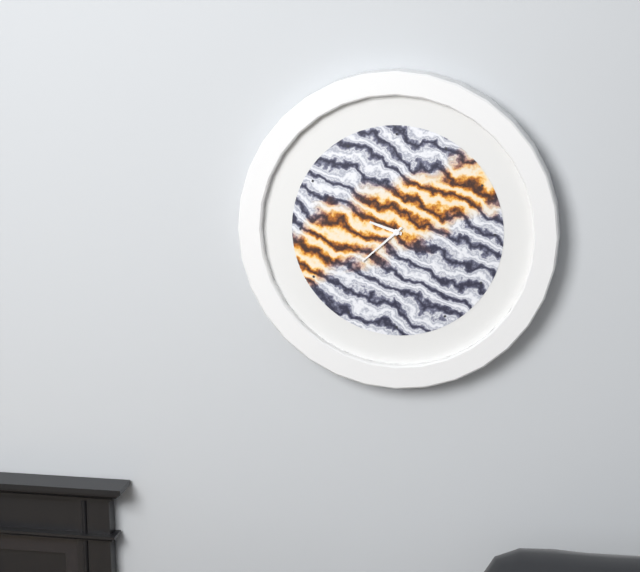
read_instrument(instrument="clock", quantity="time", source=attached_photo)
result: 9:38
